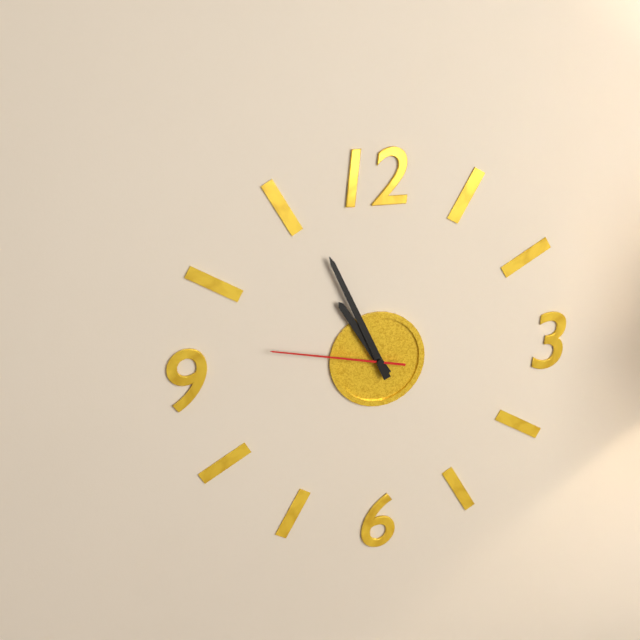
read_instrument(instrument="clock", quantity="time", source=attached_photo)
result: 10:56:47
